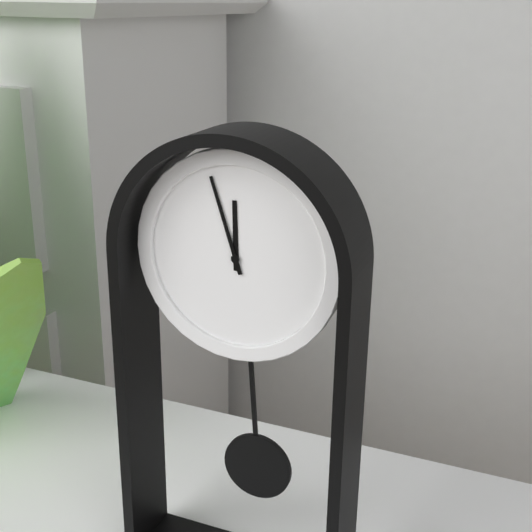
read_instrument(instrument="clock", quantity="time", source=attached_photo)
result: 11:57
